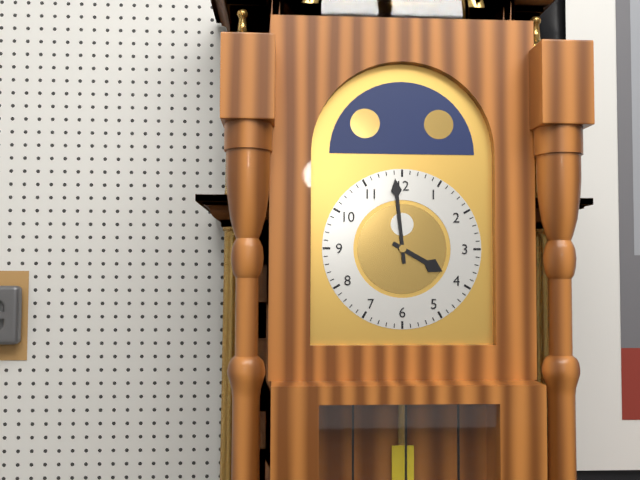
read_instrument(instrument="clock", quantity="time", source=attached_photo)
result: 3:59
